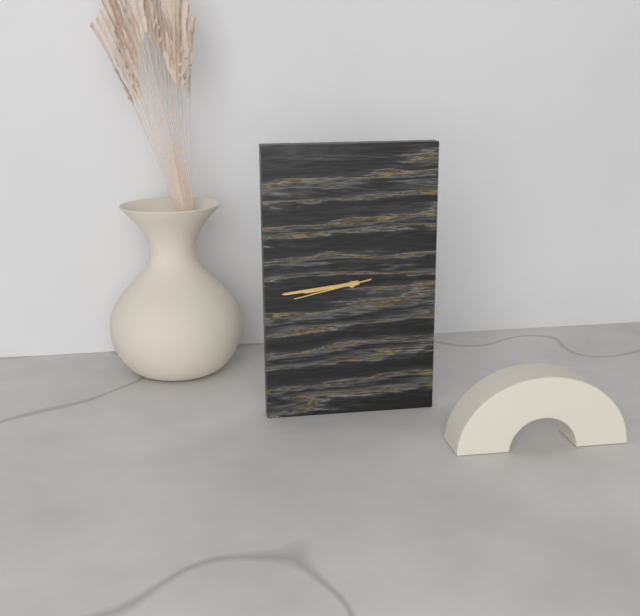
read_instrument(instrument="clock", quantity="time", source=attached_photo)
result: 8:44:43
